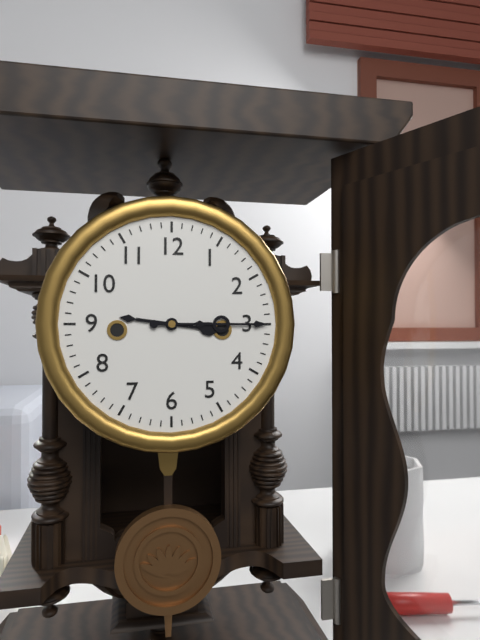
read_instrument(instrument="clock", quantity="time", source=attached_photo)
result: 3:15
